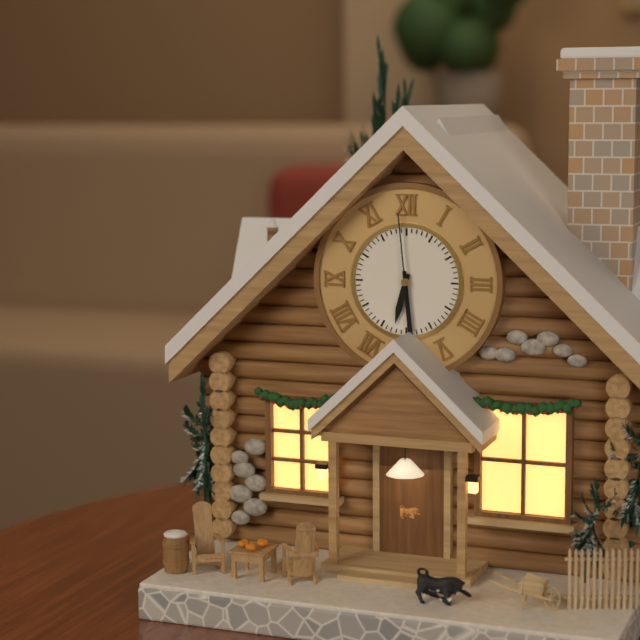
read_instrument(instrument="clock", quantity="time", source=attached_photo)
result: 6:29:59
